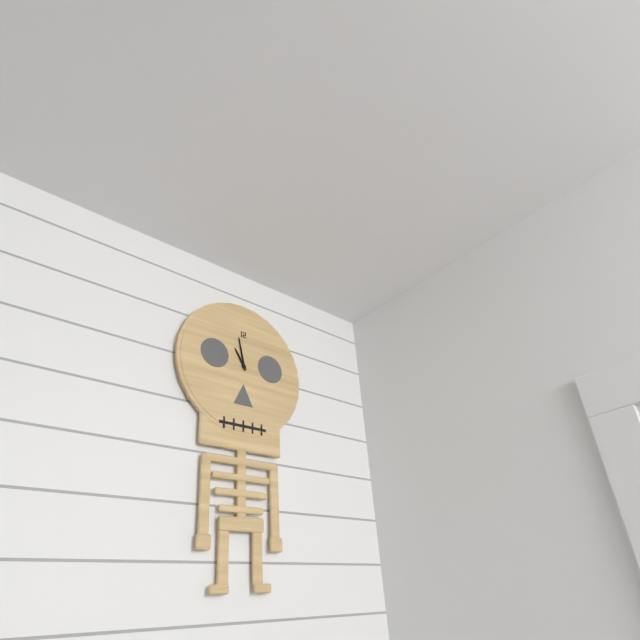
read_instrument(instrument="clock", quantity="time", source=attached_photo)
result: 10:58
